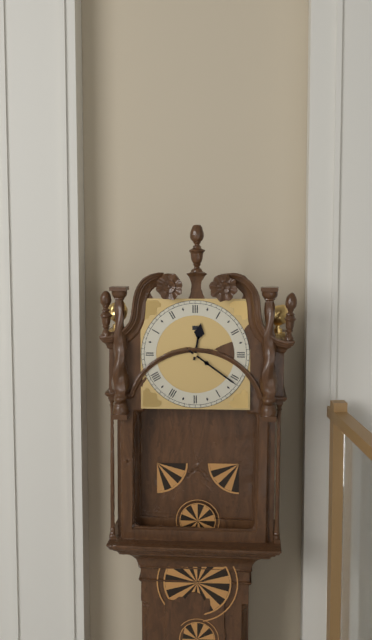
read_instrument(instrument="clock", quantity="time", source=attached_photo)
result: 12:21
